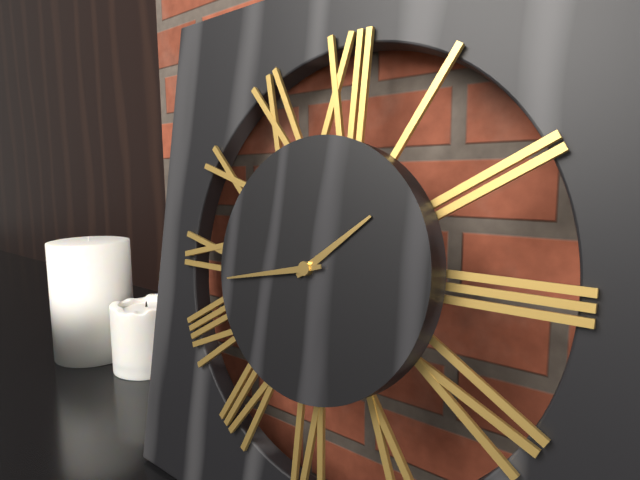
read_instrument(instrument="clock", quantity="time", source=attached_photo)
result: 1:43
